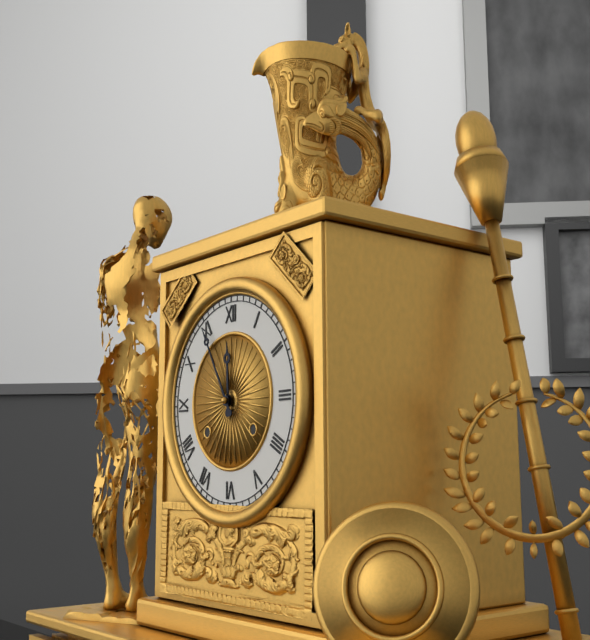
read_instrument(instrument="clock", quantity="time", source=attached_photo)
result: 11:55
